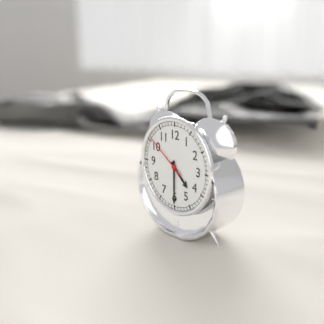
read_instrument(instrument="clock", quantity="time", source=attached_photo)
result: 4:30
